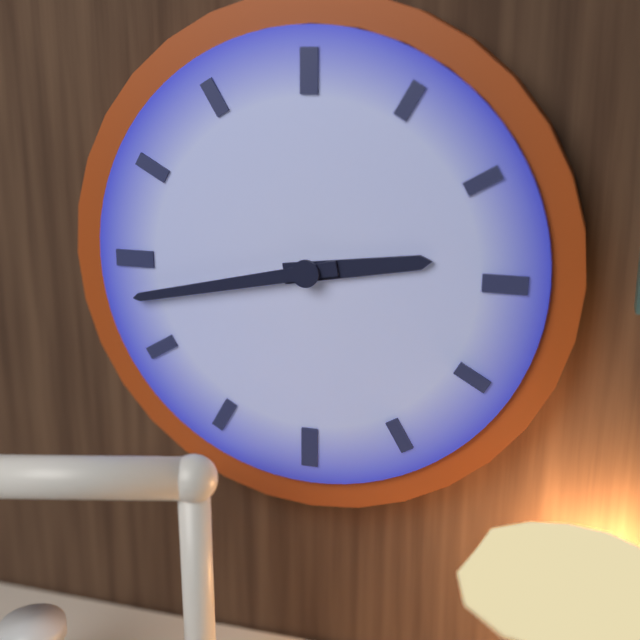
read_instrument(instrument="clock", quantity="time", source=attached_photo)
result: 2:43
